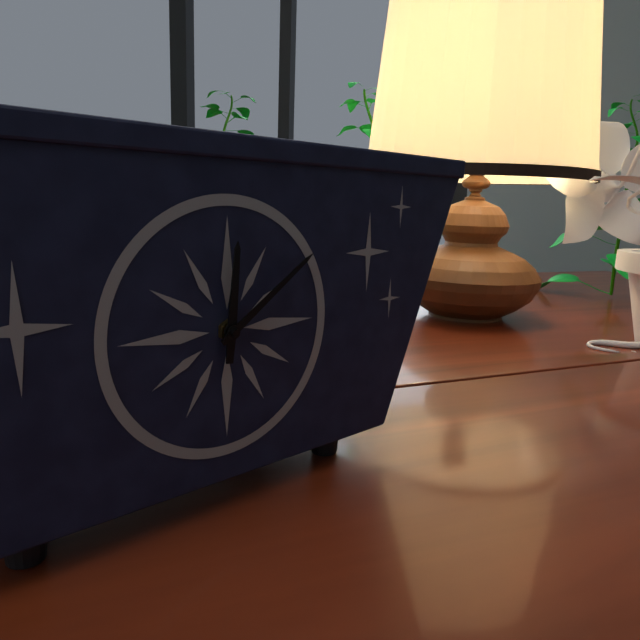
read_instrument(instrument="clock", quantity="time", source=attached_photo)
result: 12:09
